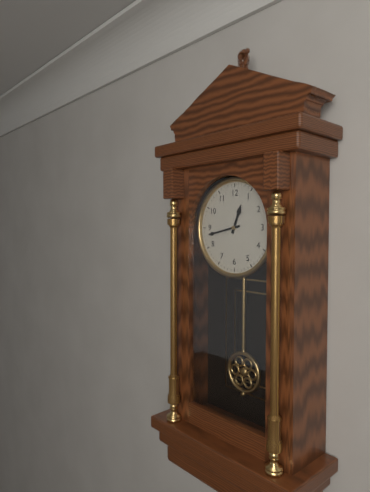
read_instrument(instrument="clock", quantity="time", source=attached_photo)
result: 12:43
